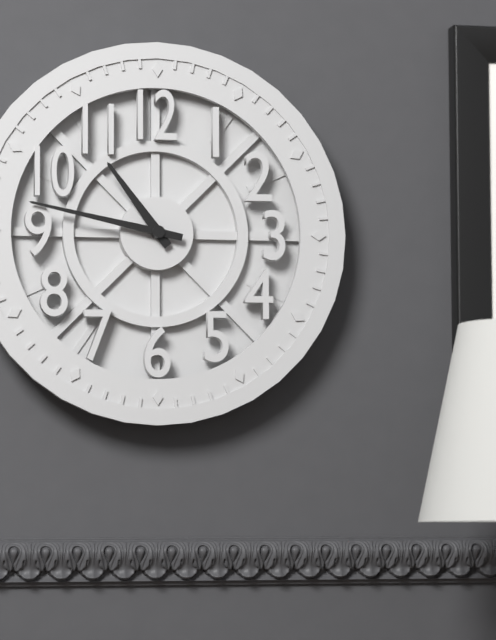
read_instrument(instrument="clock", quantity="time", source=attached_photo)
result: 10:47
